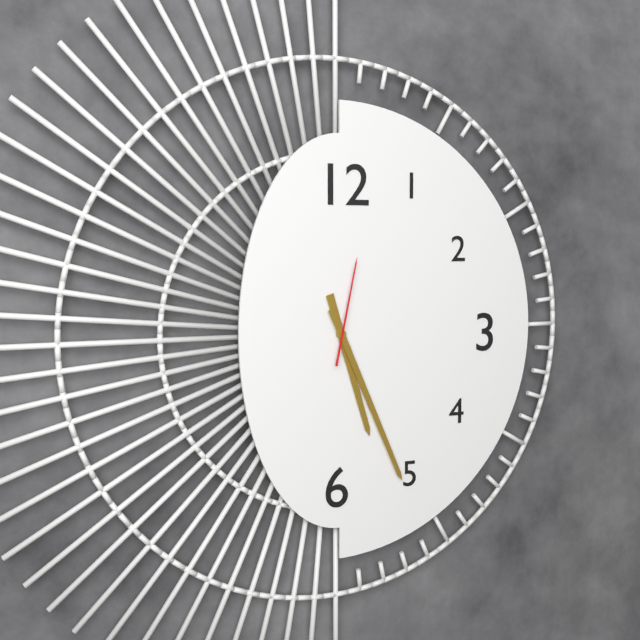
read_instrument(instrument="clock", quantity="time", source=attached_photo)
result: 5:26:02
